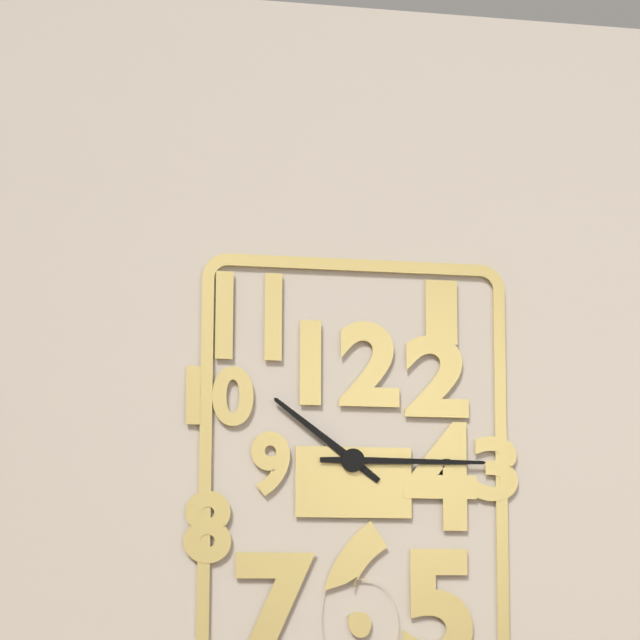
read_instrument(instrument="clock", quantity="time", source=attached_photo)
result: 10:15
